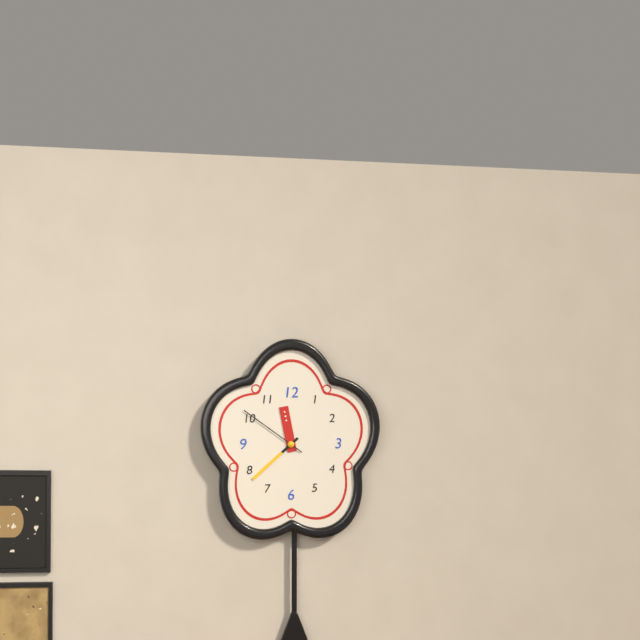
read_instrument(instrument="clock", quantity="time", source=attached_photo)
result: 11:38:51
